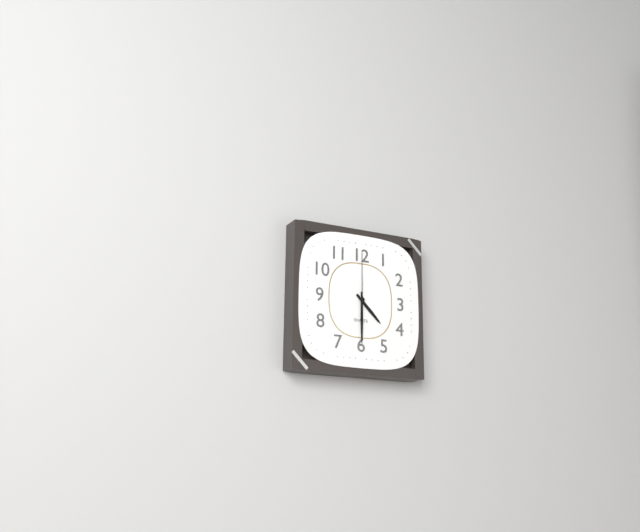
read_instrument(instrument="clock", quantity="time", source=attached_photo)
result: 4:30:00
